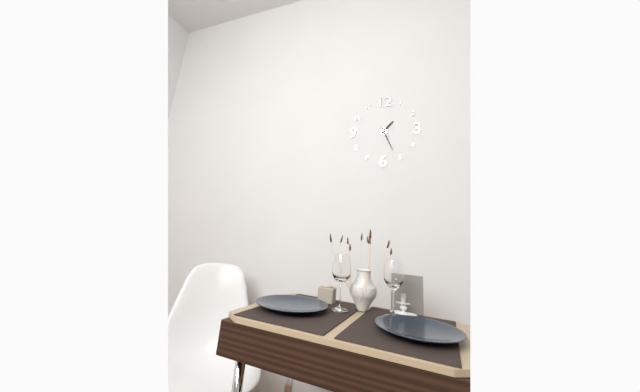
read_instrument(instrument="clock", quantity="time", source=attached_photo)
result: 1:26
